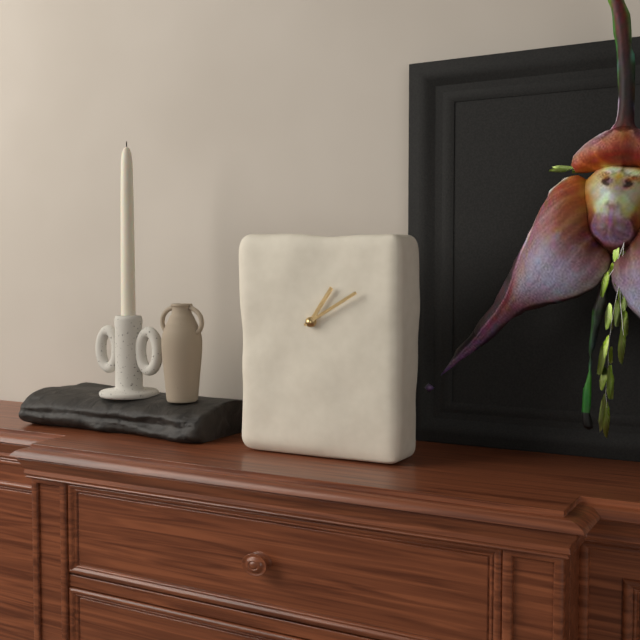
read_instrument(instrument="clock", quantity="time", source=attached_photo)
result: 1:10
